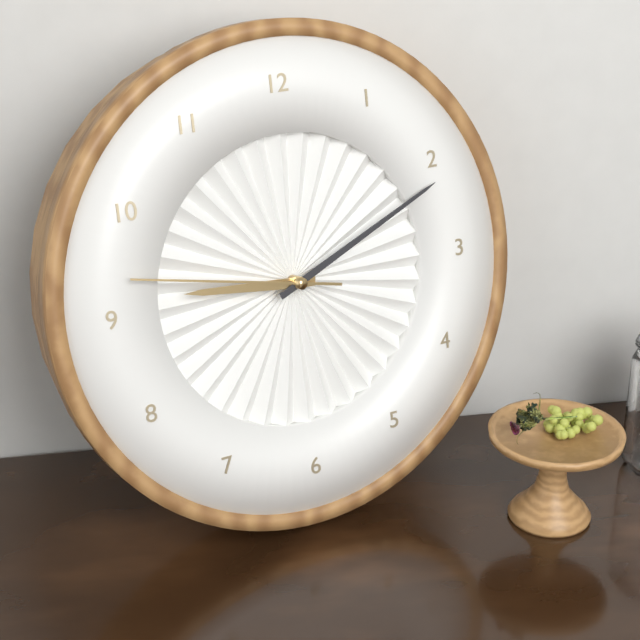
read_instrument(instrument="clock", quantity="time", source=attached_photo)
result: 9:11:47
